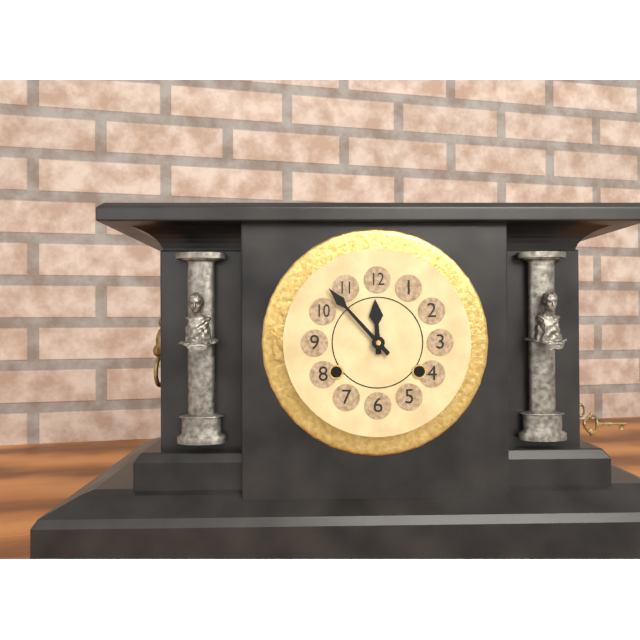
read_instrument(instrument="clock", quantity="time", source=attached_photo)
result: 11:53
